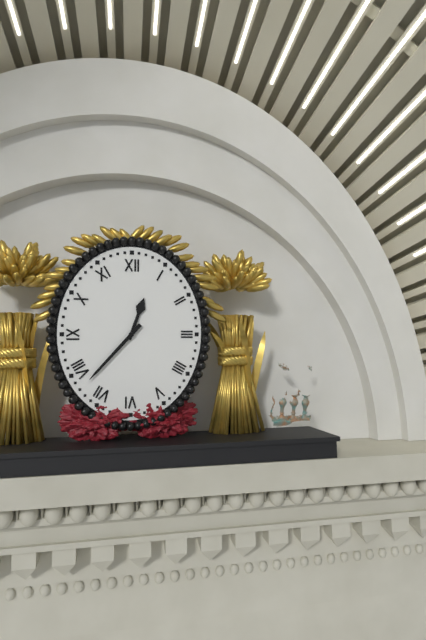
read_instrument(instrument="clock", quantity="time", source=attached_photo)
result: 12:37
